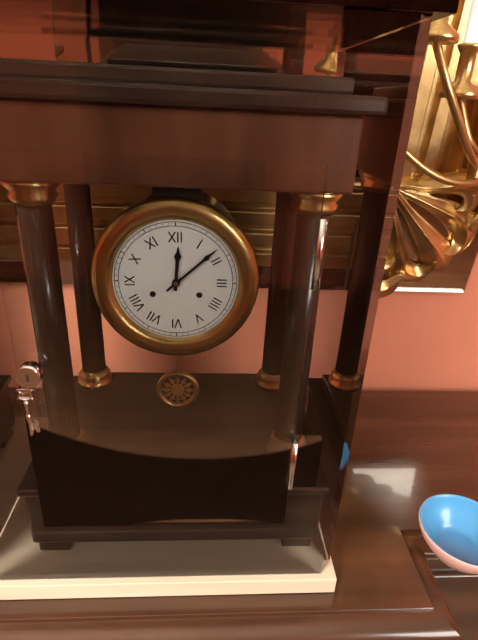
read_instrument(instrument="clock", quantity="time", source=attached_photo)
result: 12:08
